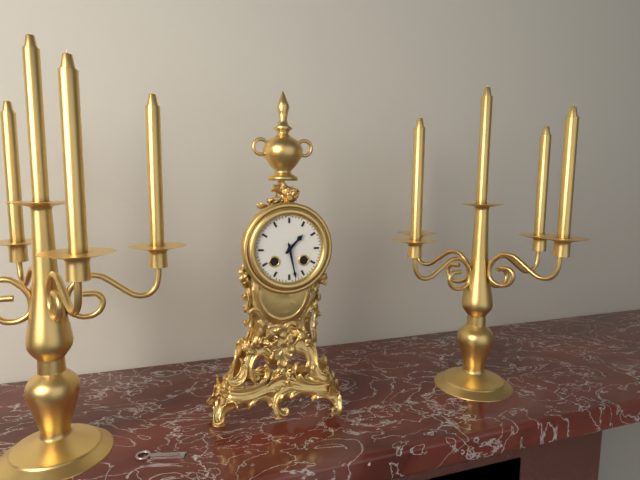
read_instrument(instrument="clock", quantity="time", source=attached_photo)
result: 1:28
